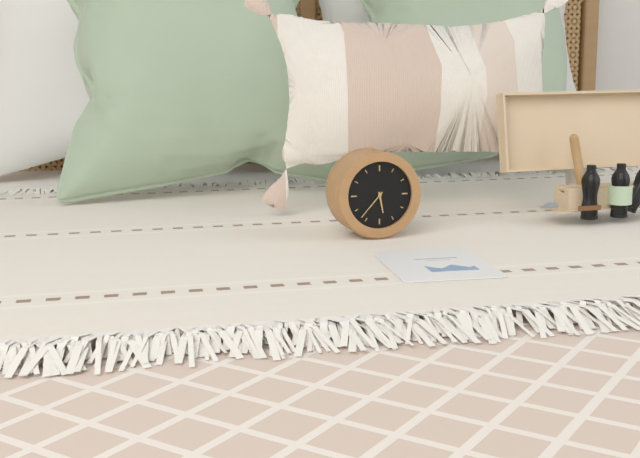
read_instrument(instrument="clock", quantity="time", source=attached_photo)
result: 5:37
